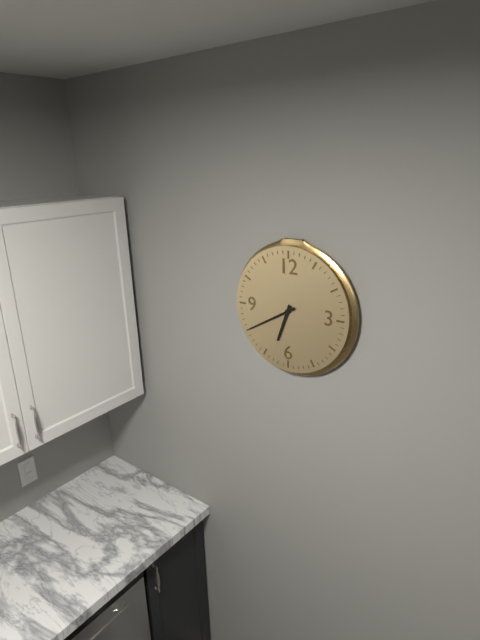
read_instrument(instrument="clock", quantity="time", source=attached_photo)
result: 6:40
